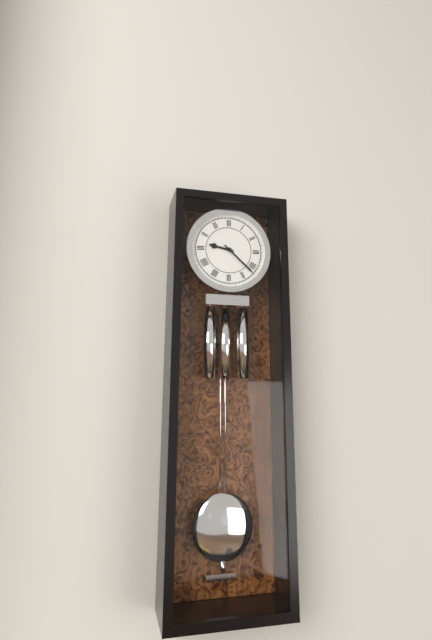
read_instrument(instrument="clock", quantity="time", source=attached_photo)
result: 9:22
